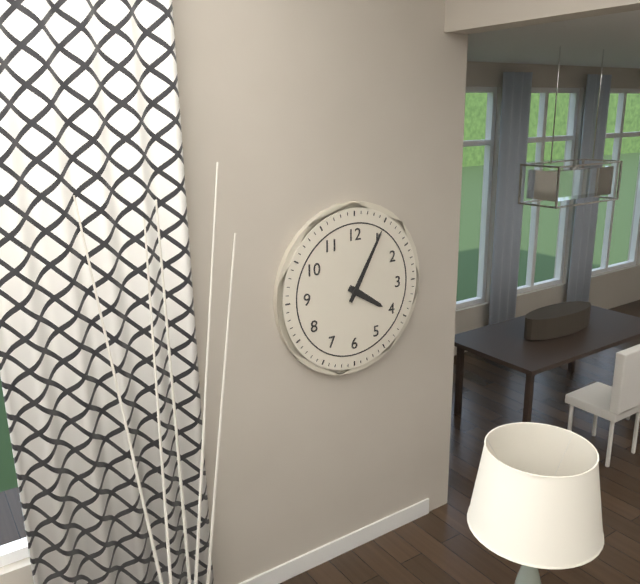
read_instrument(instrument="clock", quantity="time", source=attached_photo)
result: 4:05
